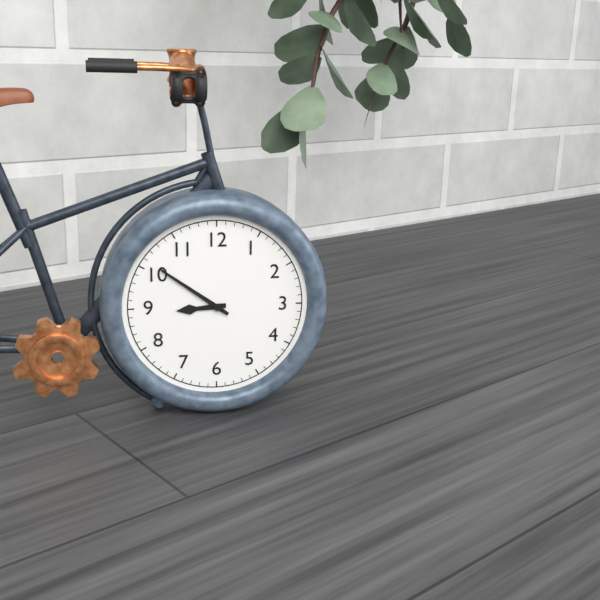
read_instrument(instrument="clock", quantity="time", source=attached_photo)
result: 8:51
